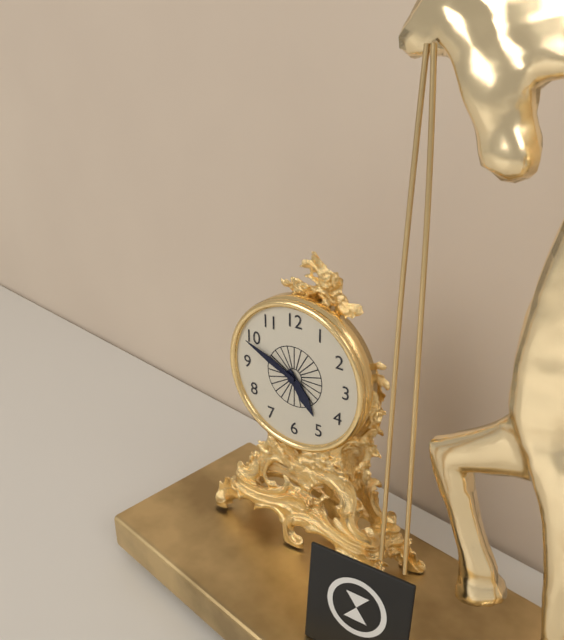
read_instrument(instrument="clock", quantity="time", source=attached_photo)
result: 4:49
